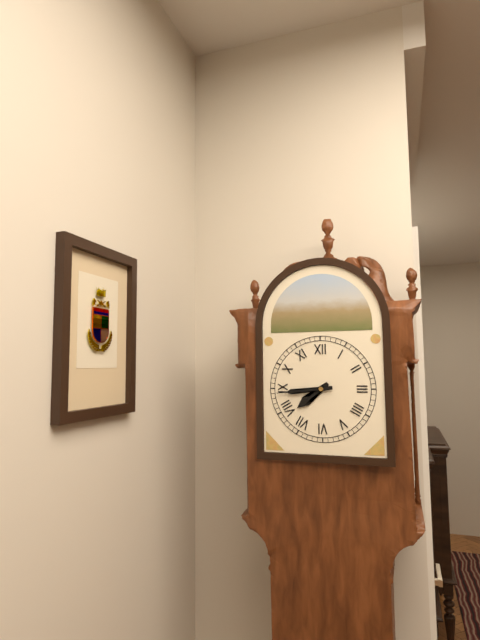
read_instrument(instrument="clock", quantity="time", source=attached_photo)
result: 7:44
